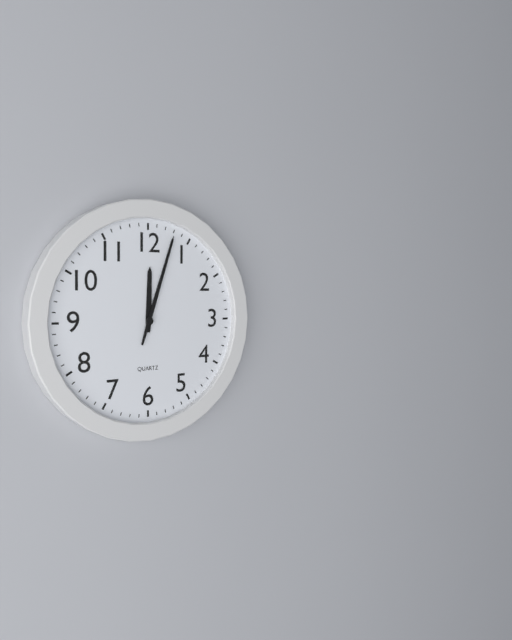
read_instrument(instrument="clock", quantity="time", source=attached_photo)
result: 12:03
